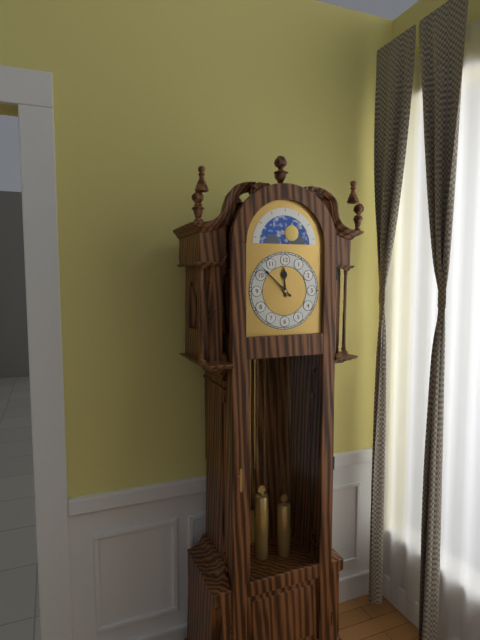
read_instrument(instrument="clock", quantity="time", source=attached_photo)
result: 11:52
